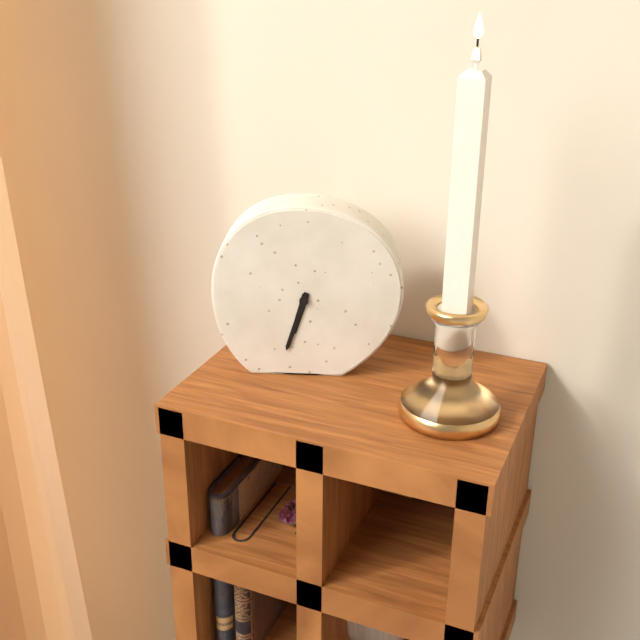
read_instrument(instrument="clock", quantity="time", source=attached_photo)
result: 6:33
